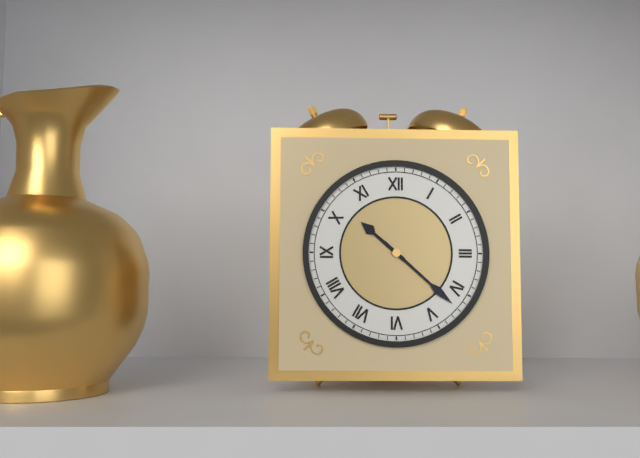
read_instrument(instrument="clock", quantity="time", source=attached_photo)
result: 10:22
